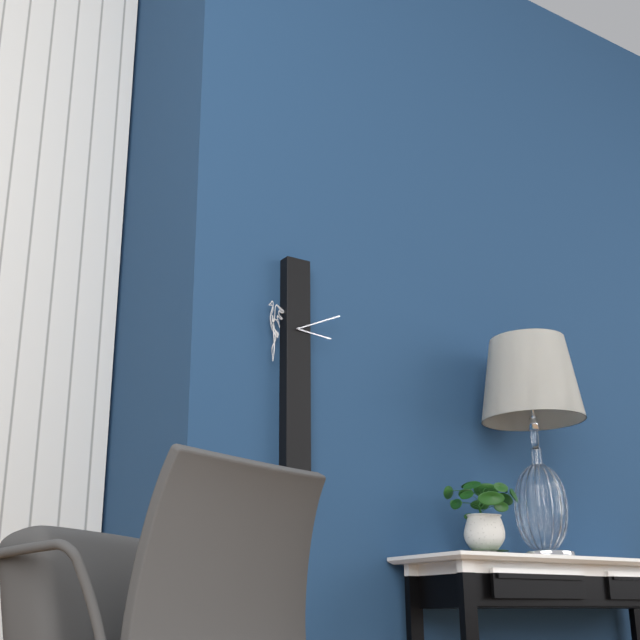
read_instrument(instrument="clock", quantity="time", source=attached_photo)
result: 3:11
